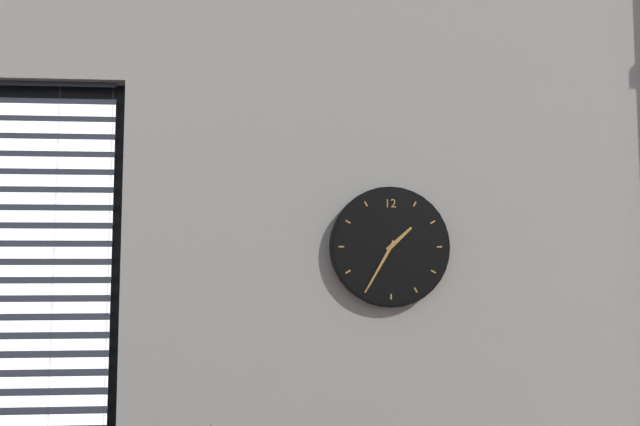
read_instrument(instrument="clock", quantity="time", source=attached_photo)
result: 1:35
